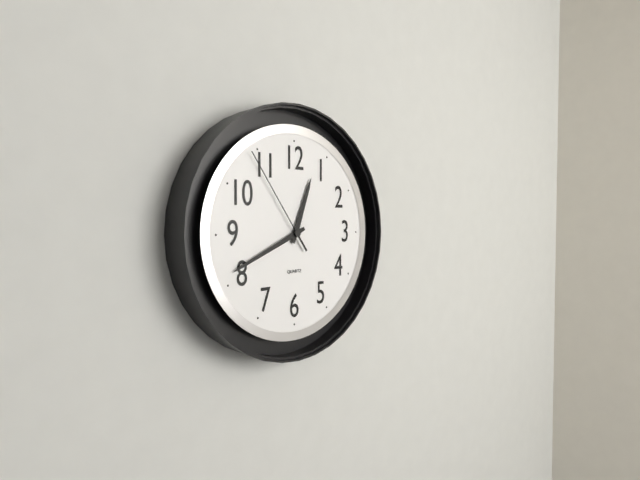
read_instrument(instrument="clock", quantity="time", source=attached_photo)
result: 12:41:54
